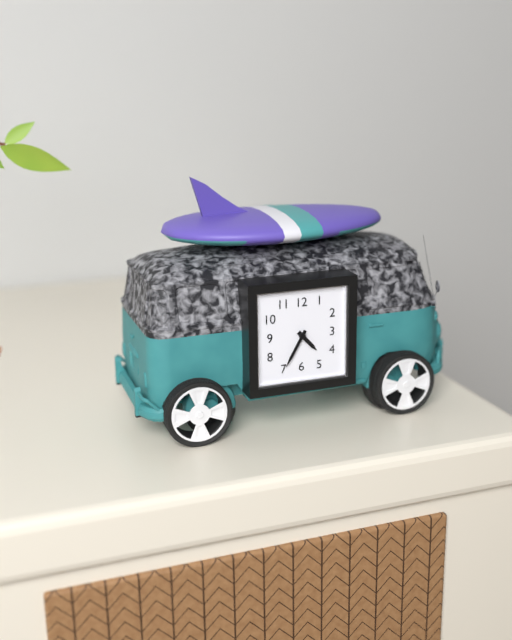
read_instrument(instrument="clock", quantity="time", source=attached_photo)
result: 4:35
